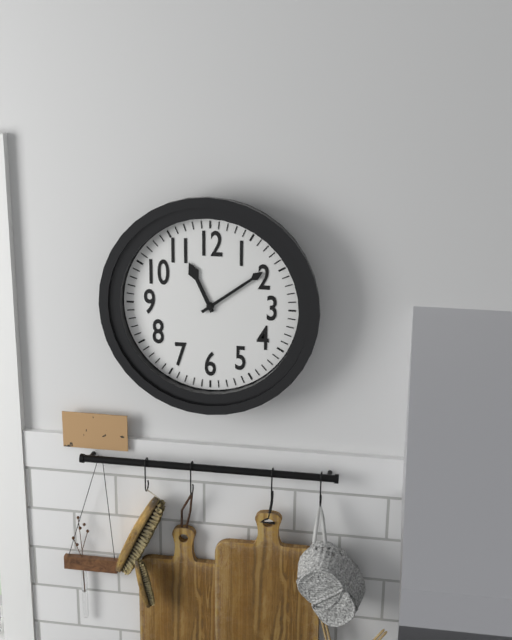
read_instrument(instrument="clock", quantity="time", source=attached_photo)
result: 11:09
